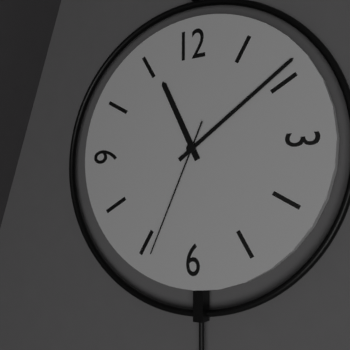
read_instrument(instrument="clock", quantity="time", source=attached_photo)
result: 11:09:34
